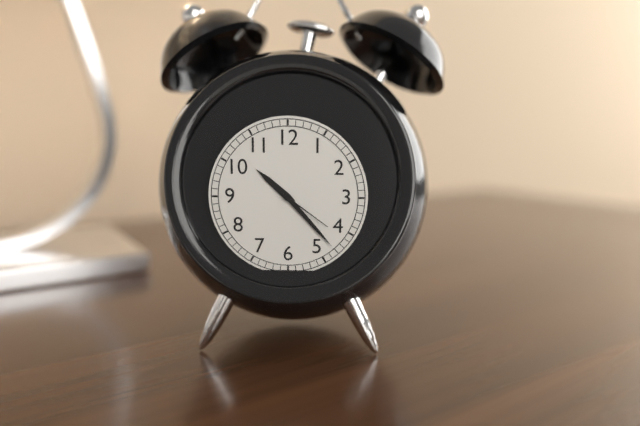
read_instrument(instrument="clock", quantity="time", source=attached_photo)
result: 10:23:21
